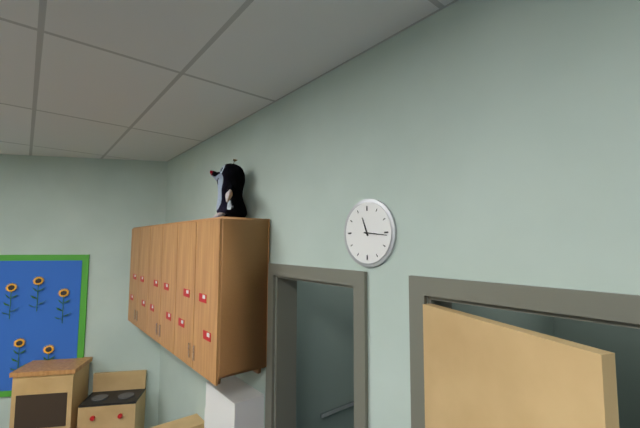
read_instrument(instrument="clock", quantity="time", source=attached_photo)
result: 11:16
